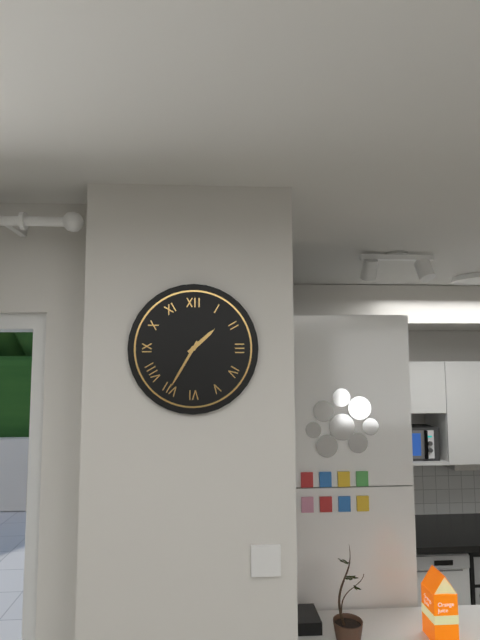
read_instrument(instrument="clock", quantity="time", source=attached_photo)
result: 1:35
